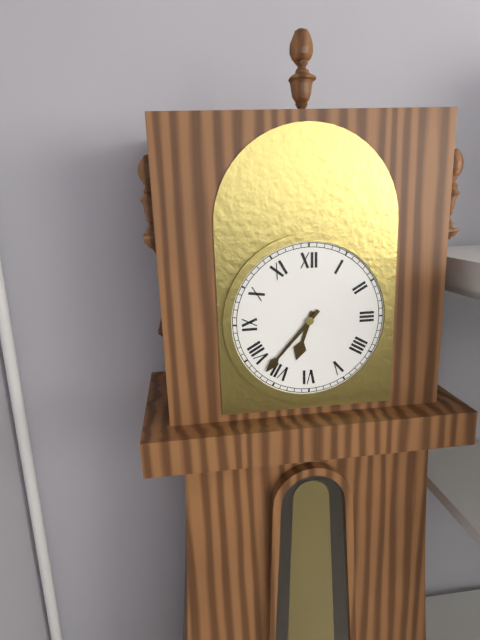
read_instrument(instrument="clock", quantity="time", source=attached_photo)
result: 6:37
